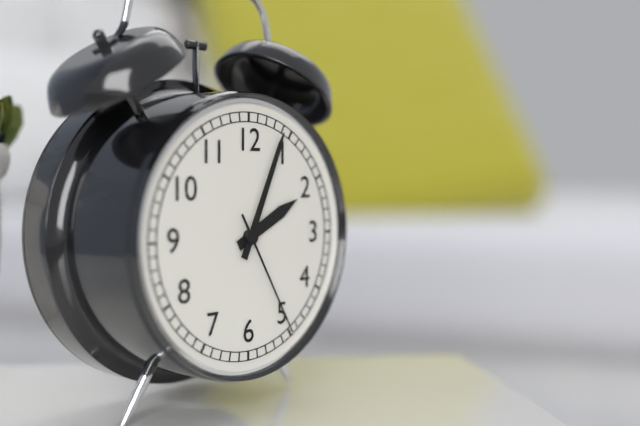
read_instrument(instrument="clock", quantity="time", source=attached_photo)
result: 2:04:25
